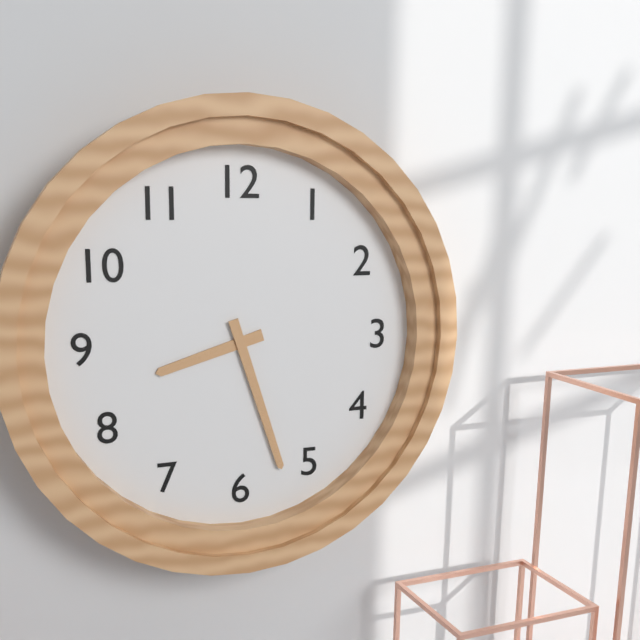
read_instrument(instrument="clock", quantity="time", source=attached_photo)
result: 8:27
